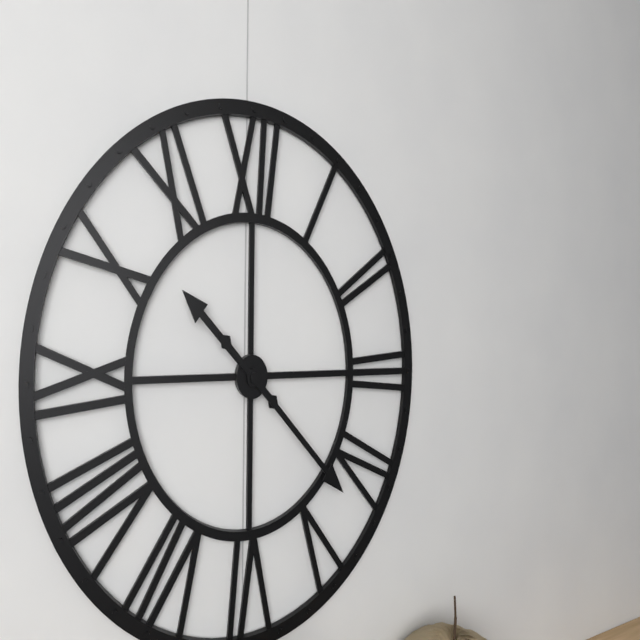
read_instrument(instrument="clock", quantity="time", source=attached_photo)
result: 10:22
